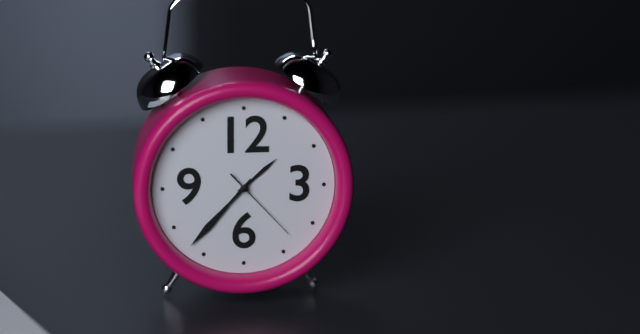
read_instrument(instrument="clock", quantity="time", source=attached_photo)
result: 1:37:23
